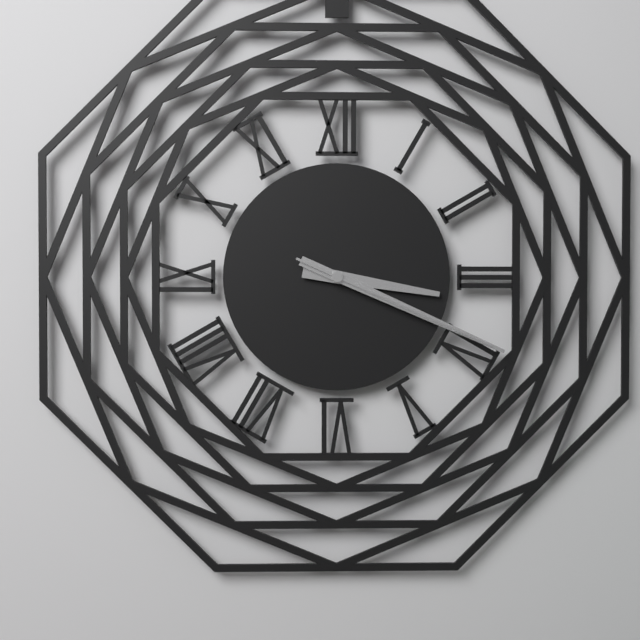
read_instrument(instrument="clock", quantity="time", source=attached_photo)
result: 3:19:19
